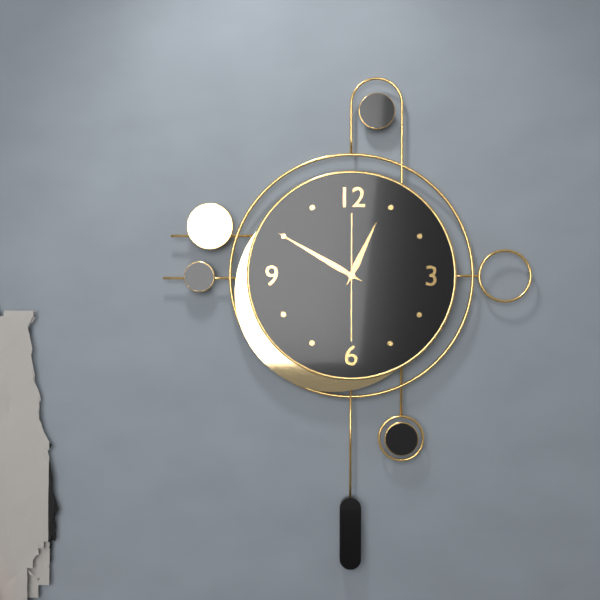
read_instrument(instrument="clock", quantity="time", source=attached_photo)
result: 12:50:30
